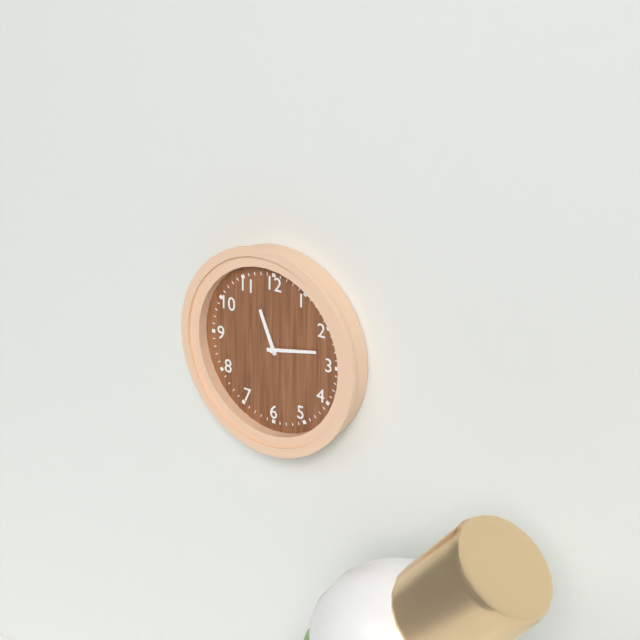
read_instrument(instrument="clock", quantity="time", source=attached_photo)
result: 11:13
